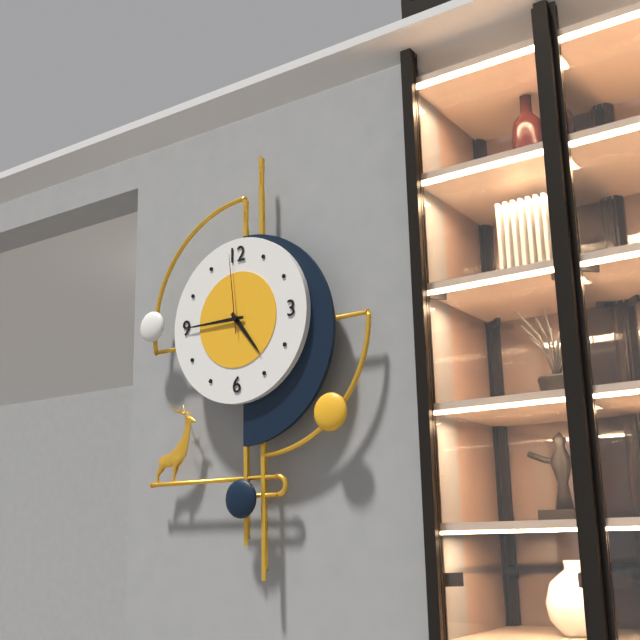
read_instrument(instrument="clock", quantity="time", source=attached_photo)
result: 4:45:59
